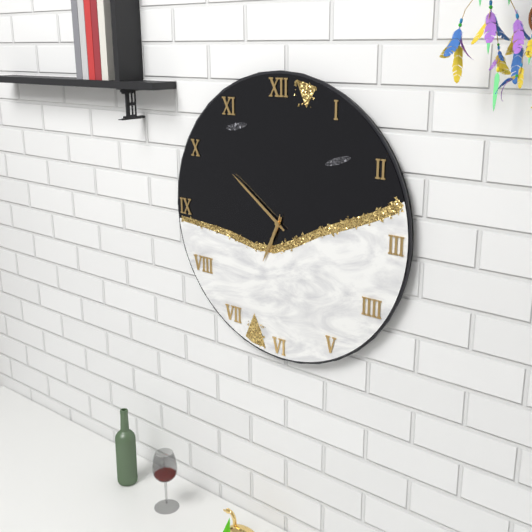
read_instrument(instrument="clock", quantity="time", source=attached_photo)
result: 6:51
